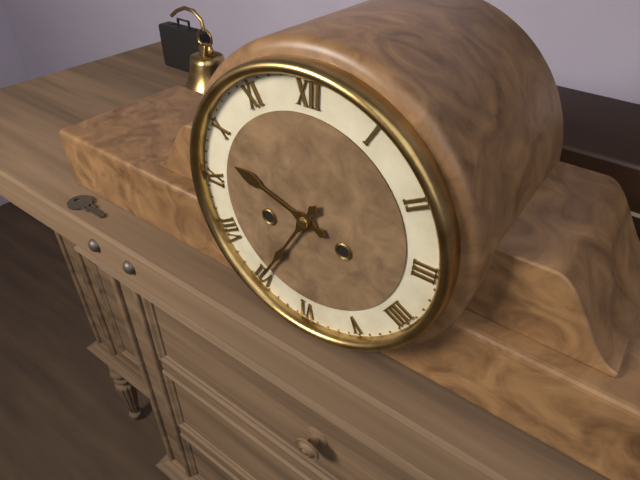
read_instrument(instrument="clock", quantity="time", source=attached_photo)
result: 9:35
